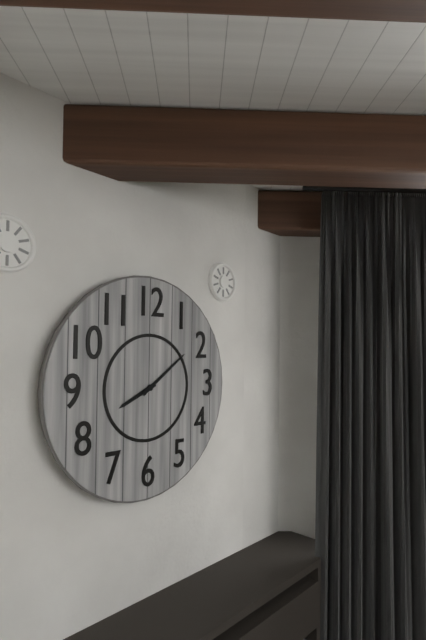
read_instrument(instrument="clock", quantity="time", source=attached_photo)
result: 8:09
